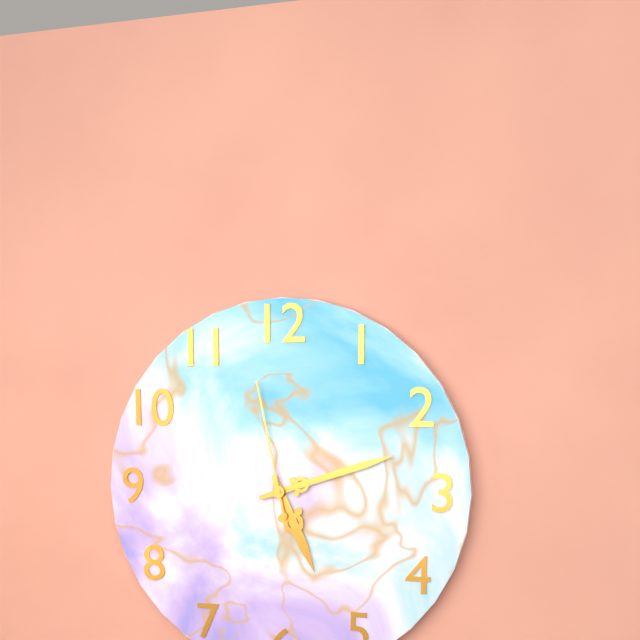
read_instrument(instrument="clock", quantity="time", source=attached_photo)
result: 5:12:58
